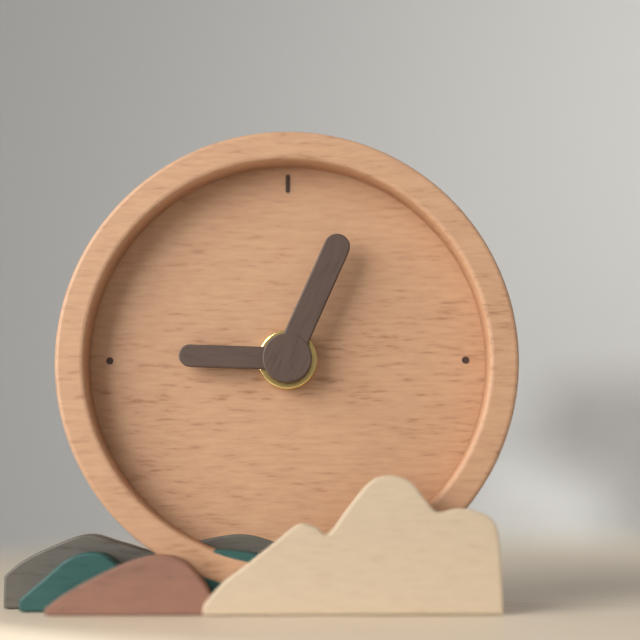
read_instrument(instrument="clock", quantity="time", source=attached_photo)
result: 9:04
